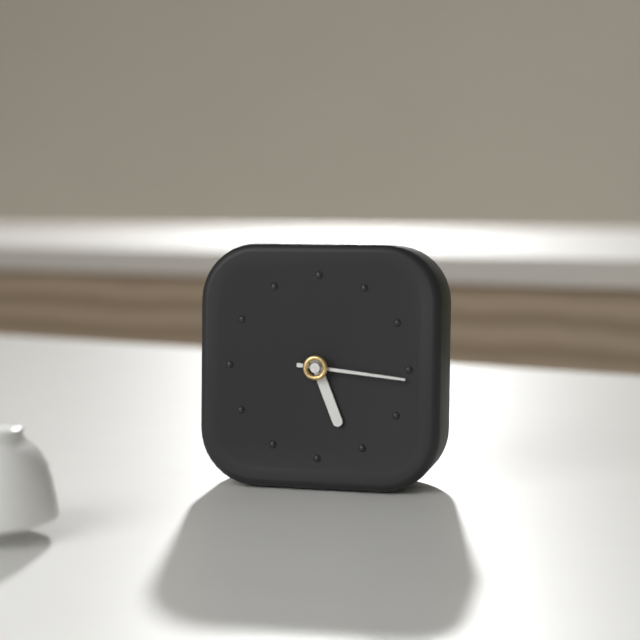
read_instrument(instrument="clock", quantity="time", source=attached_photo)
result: 5:16
